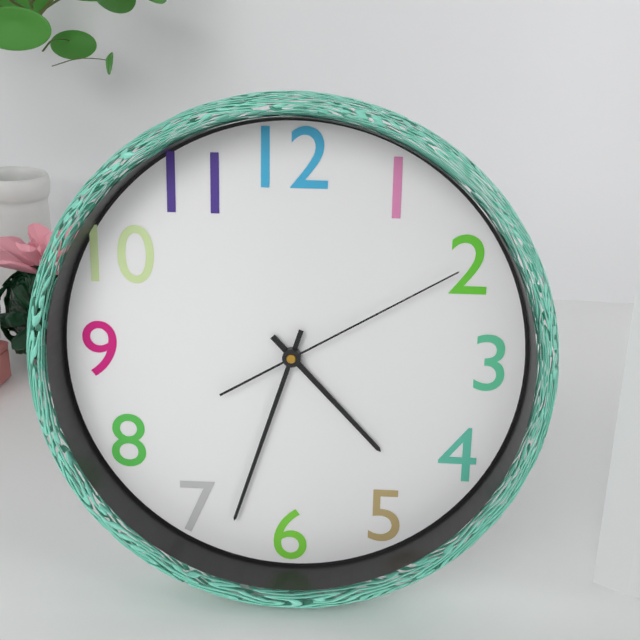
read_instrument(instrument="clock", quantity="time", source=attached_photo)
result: 4:33:10
